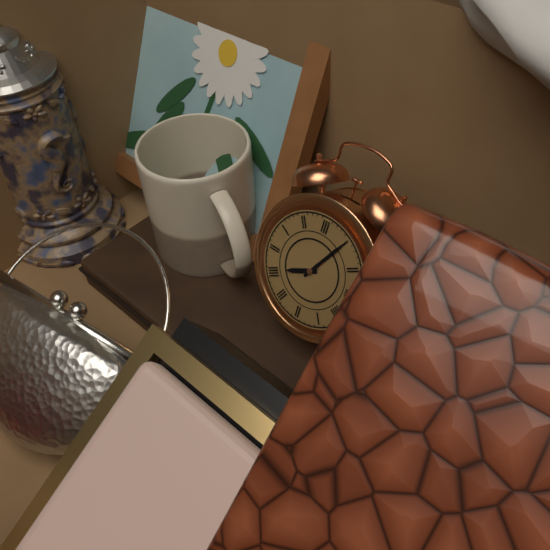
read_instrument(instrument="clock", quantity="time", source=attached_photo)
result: 8:05
